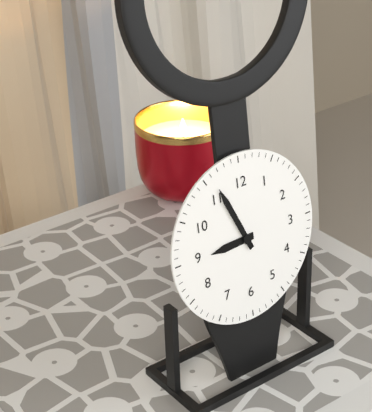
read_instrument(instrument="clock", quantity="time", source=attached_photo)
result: 8:56
